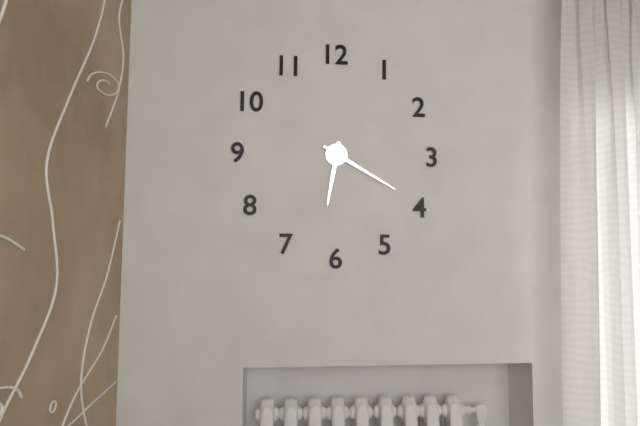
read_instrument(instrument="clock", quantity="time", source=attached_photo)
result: 6:20
